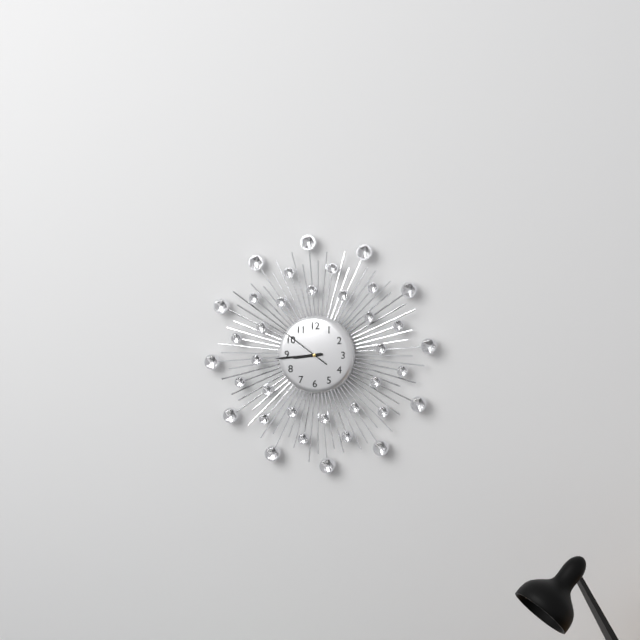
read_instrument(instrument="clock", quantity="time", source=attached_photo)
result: 8:44:51
